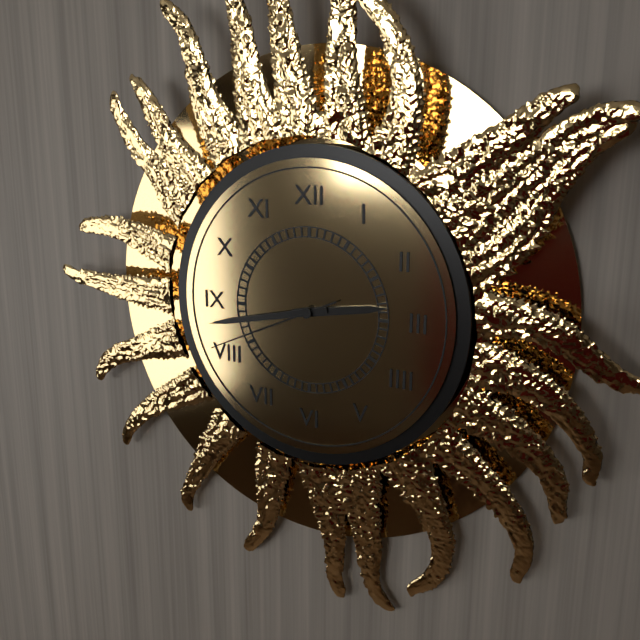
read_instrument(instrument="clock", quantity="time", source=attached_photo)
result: 2:43:41
